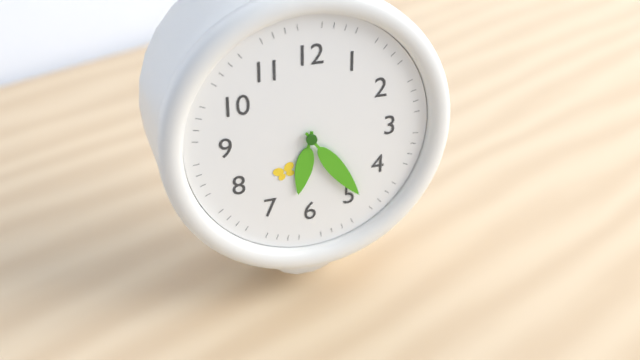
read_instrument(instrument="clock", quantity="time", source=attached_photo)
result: 6:24
